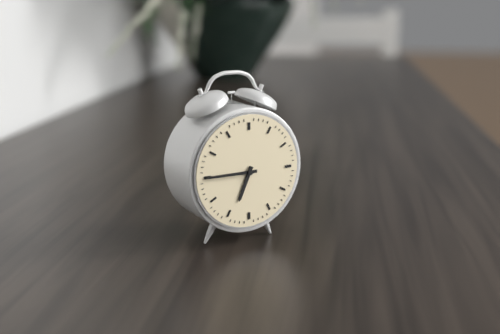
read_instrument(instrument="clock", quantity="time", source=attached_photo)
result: 6:45
